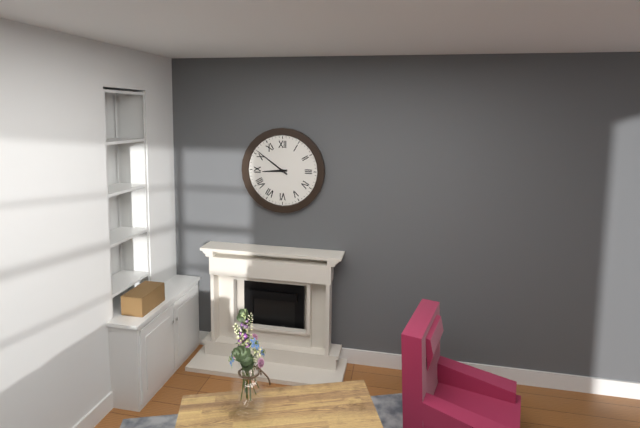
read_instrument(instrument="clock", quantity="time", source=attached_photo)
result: 8:51
